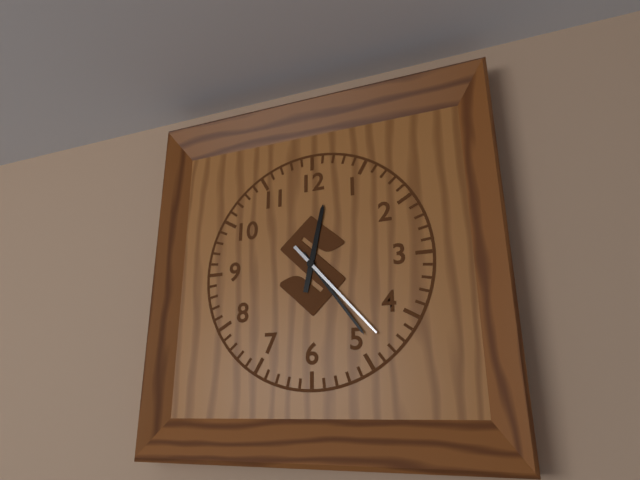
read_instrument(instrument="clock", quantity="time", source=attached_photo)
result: 12:24:23
